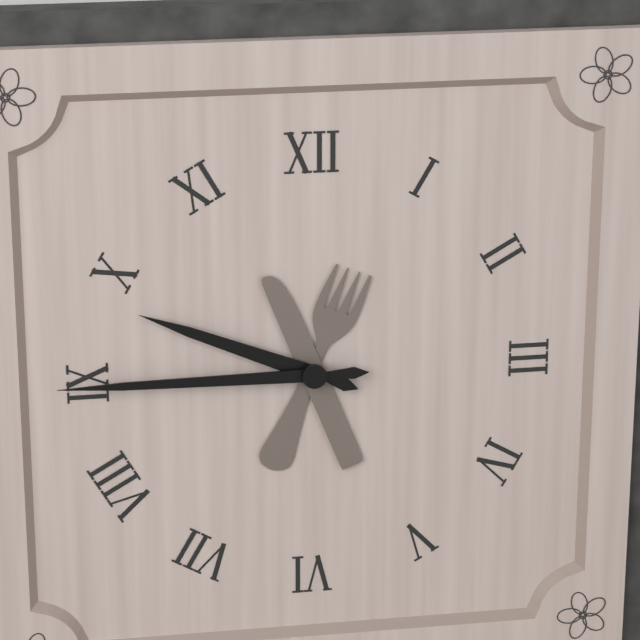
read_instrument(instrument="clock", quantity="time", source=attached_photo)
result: 9:45
